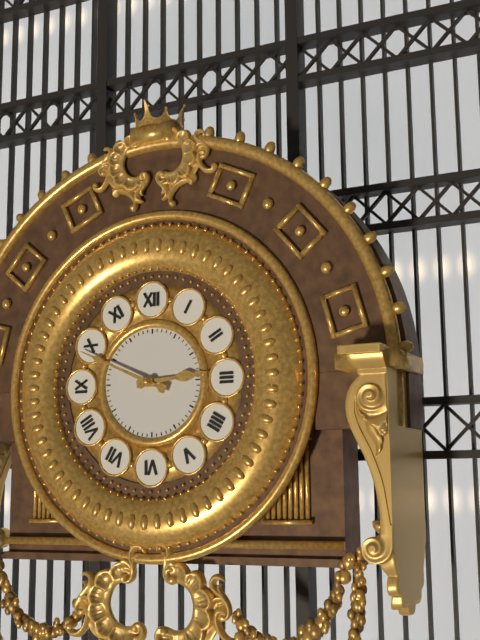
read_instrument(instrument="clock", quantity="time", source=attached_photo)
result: 2:49
